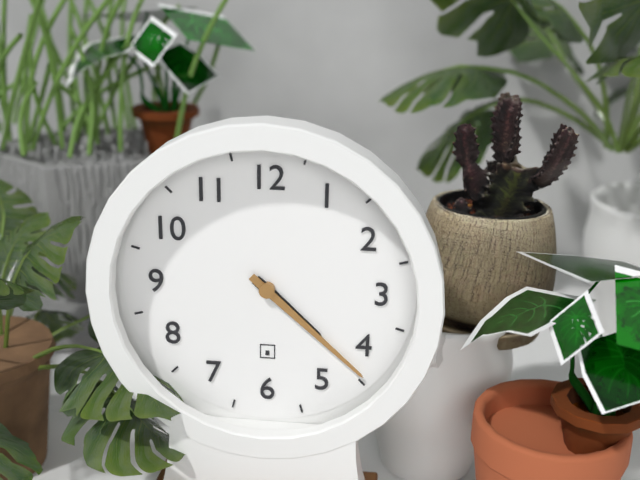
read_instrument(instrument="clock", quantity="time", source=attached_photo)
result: 4:22
